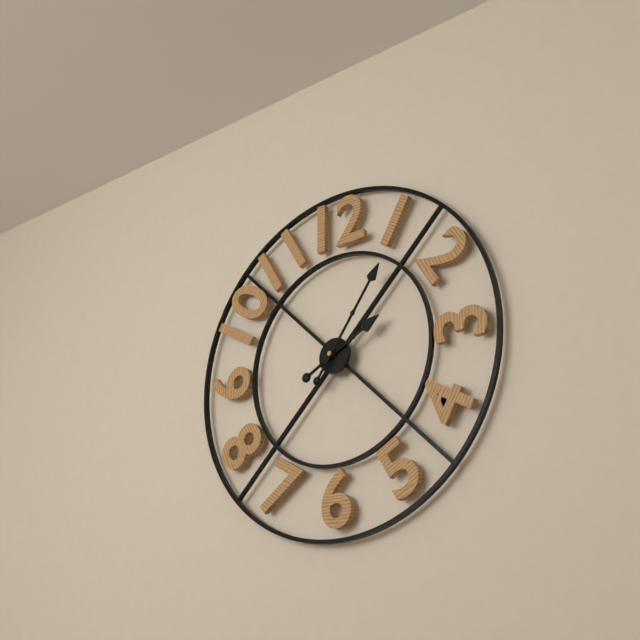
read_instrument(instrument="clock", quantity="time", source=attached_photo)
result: 2:06
